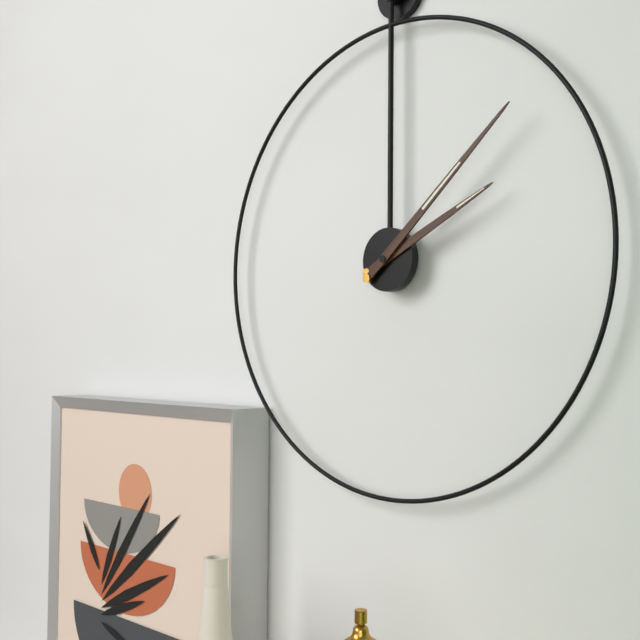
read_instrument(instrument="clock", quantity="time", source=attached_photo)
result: 2:08
